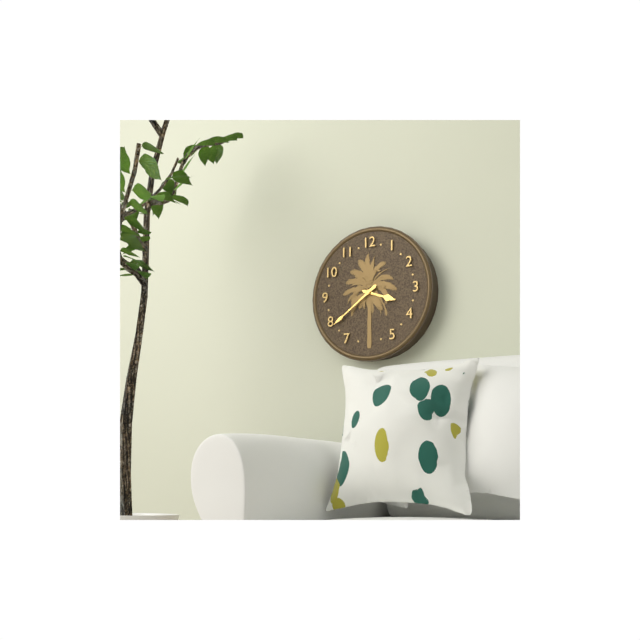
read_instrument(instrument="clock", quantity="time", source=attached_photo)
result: 3:39
